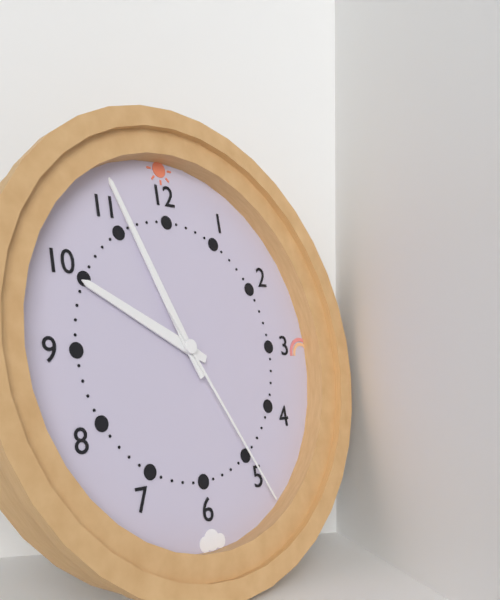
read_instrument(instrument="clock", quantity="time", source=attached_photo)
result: 9:56:25
